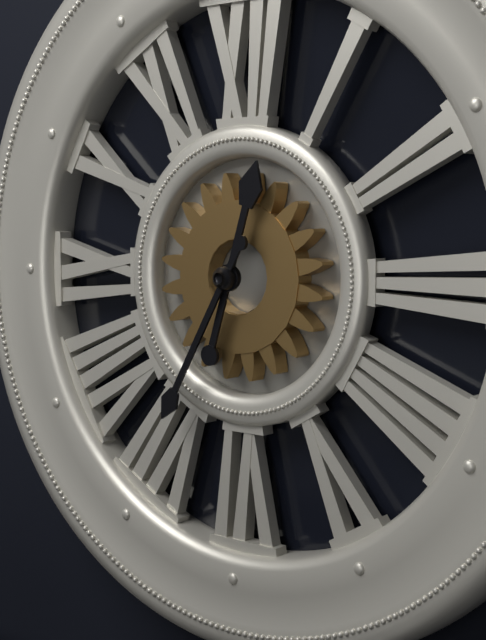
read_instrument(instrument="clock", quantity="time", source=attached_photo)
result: 12:35
